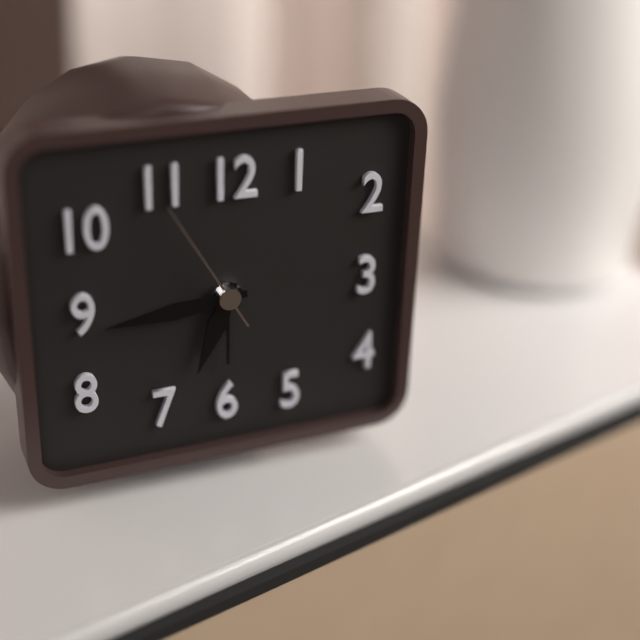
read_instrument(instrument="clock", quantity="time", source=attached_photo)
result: 6:44:55
